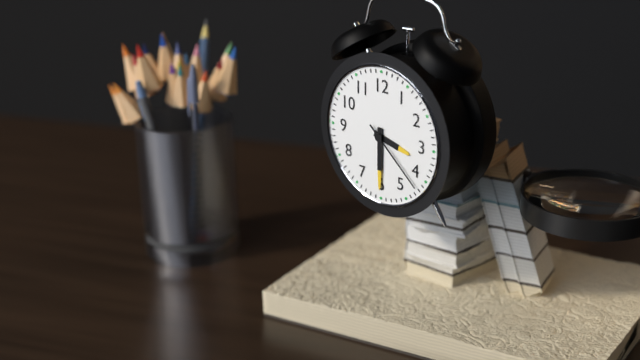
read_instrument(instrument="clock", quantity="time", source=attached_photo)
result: 3:30:22
